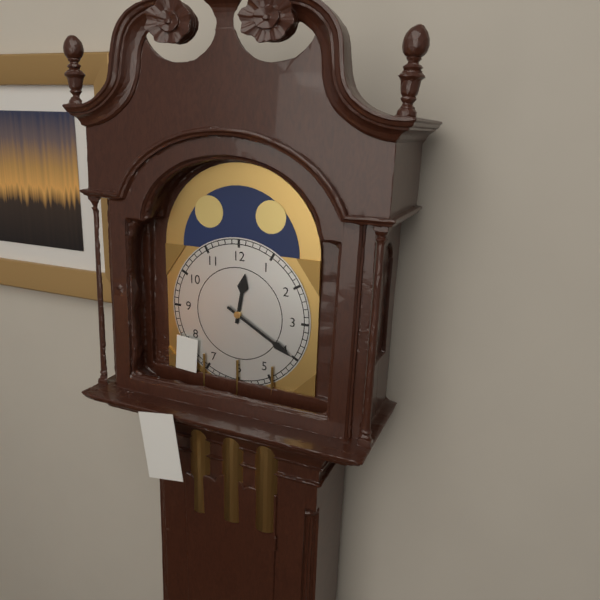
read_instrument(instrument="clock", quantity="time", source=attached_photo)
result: 12:20
